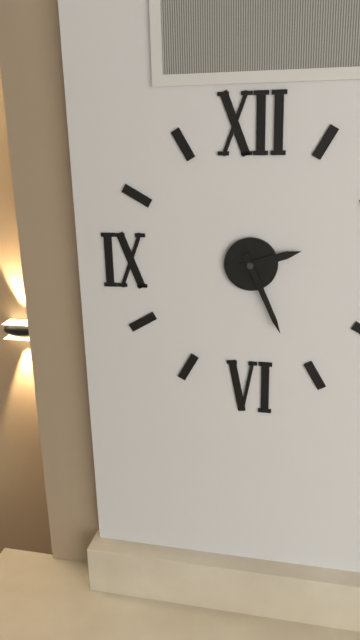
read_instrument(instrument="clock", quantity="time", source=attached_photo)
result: 2:26
